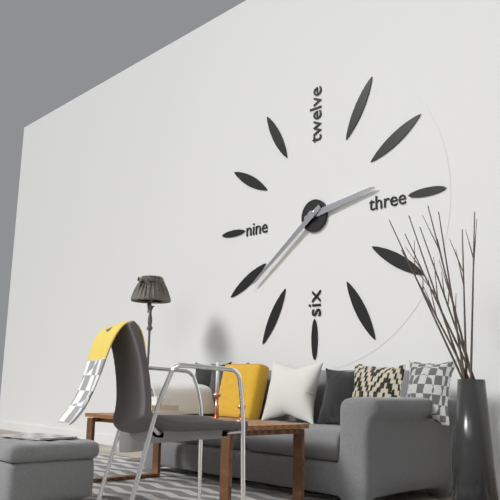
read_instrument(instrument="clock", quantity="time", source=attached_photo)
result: 2:39
